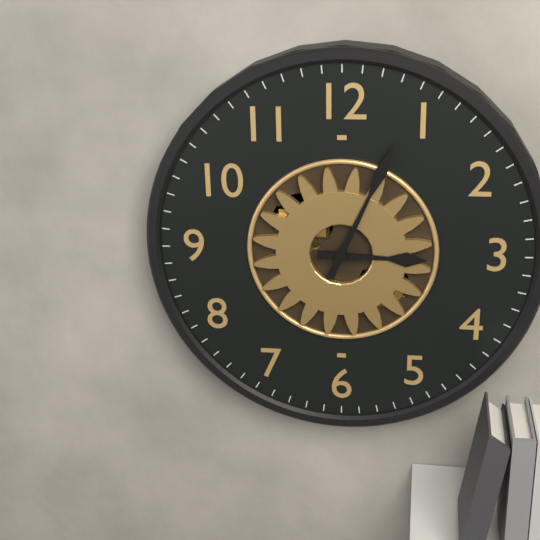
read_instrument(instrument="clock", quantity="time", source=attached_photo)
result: 3:04
